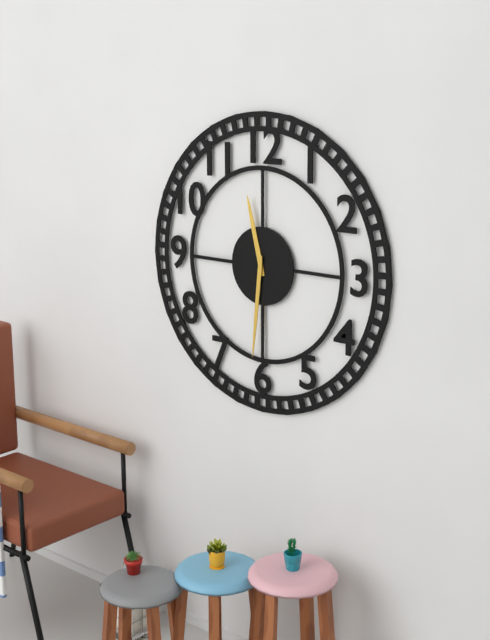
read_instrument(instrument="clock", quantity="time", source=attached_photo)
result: 11:31
